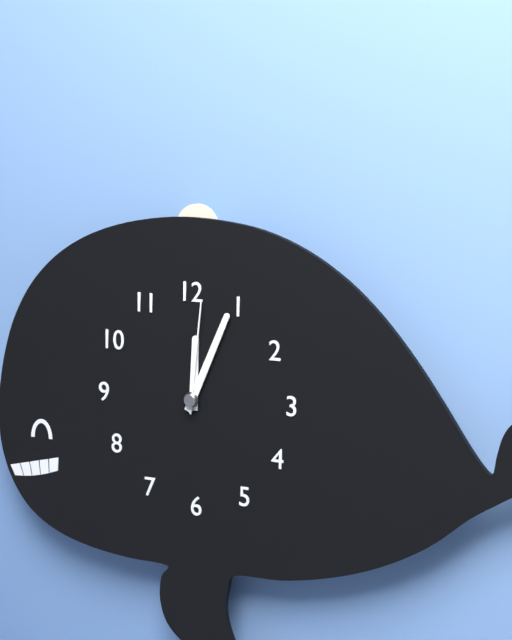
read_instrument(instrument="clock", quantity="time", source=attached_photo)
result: 12:04:01
